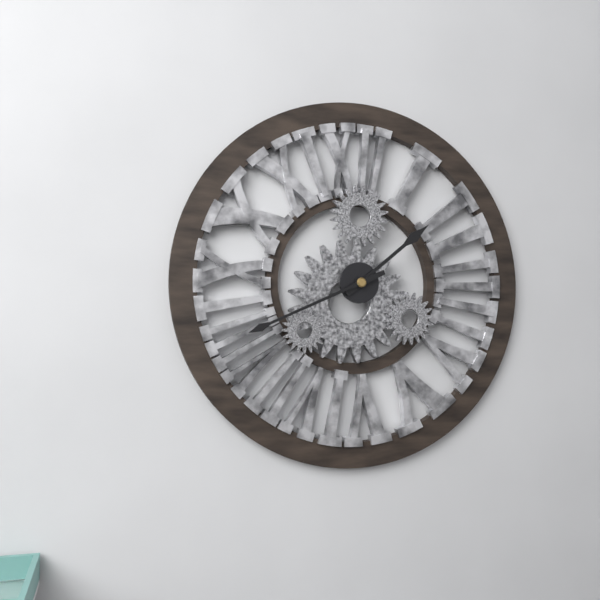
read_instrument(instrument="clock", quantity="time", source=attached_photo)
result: 1:41
